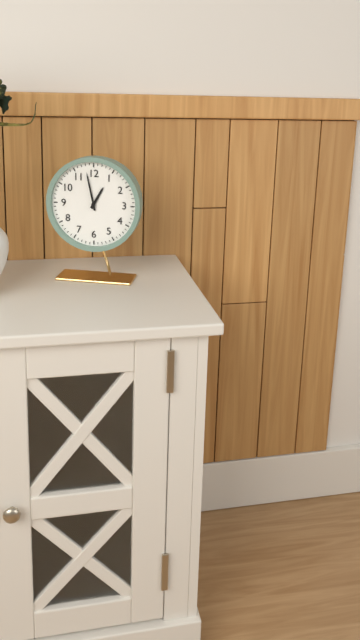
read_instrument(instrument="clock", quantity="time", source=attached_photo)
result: 12:58
